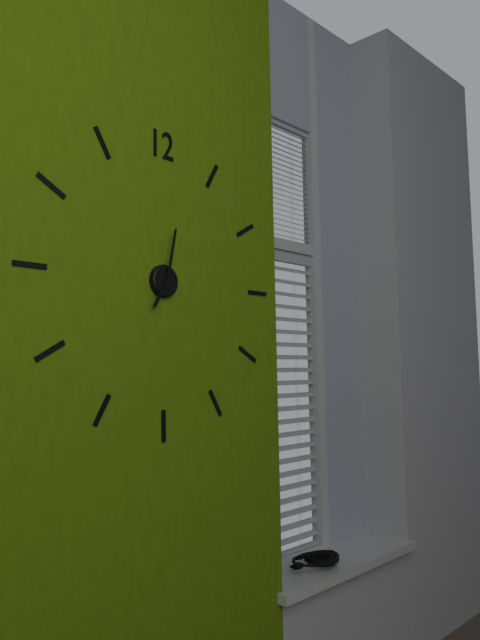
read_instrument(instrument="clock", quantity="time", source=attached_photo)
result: 7:02
